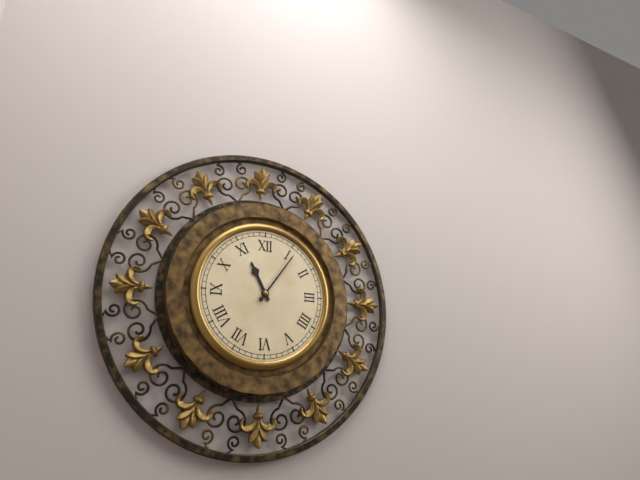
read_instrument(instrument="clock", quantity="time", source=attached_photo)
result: 11:06
